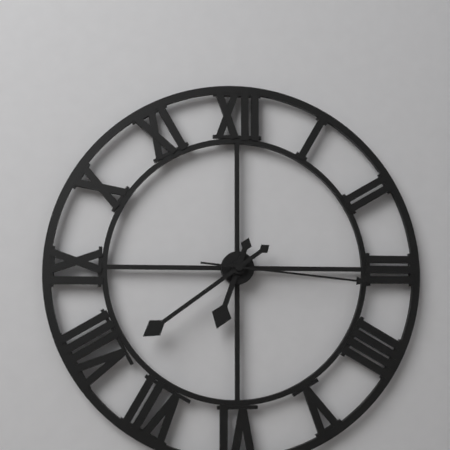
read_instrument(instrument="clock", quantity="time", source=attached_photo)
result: 6:39:16
